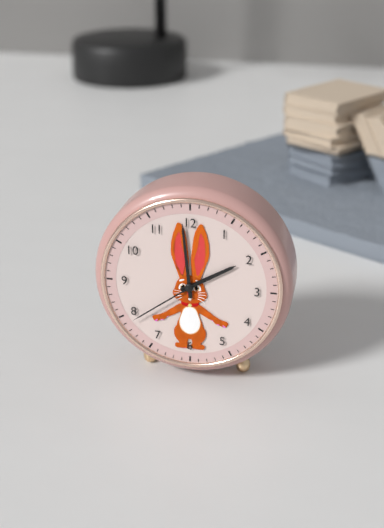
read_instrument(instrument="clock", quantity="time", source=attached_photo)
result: 1:59:39
